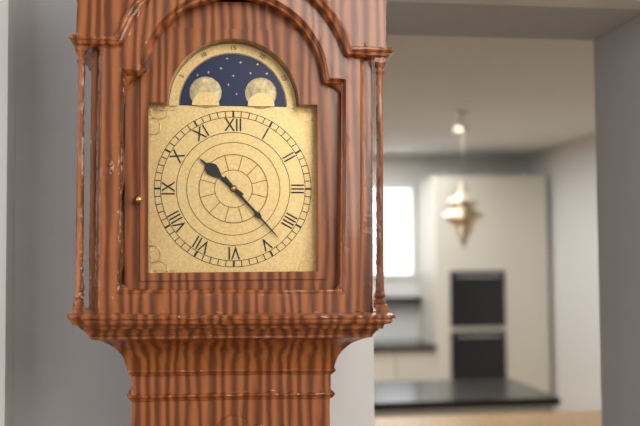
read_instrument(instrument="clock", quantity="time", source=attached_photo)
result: 10:23
